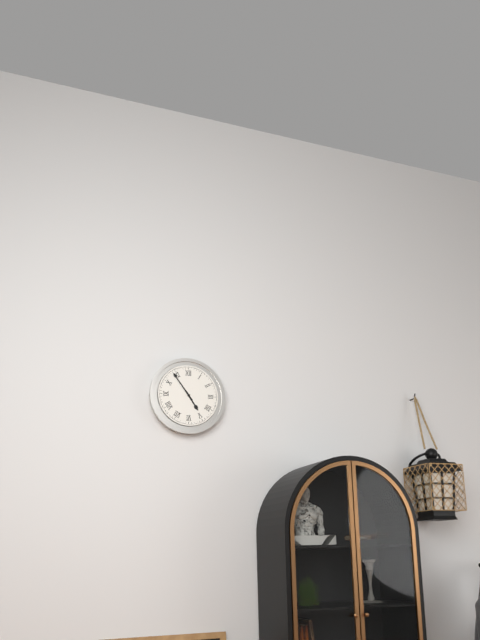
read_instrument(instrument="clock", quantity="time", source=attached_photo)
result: 4:54
